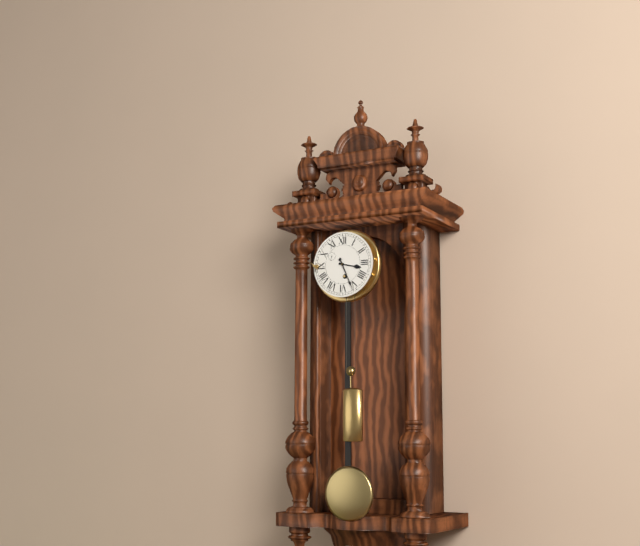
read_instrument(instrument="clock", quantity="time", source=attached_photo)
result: 3:26
